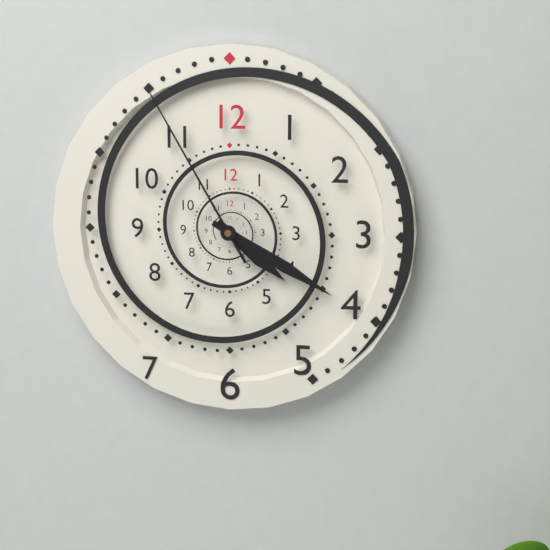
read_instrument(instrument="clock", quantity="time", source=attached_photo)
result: 4:20:55
